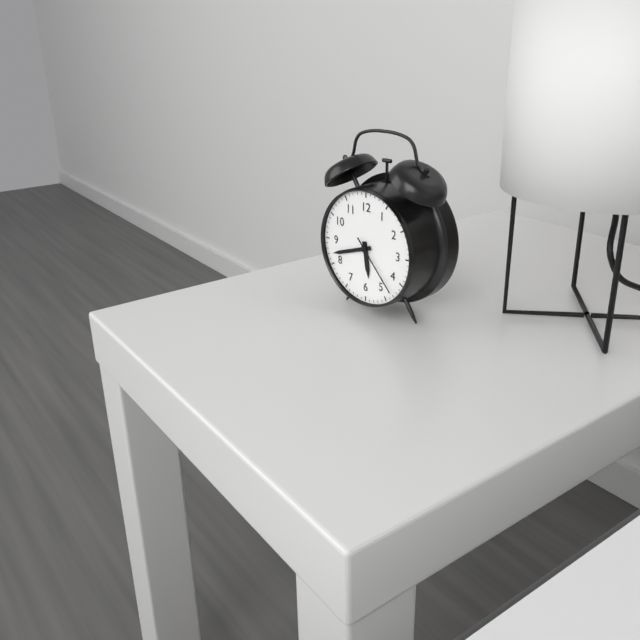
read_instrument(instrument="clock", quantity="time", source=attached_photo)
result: 5:42:23
